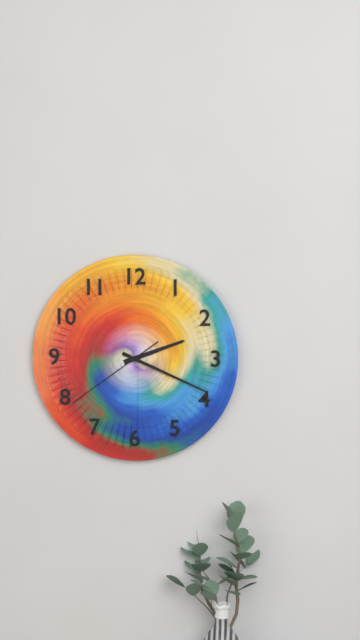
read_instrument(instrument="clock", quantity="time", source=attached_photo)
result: 2:19:39
